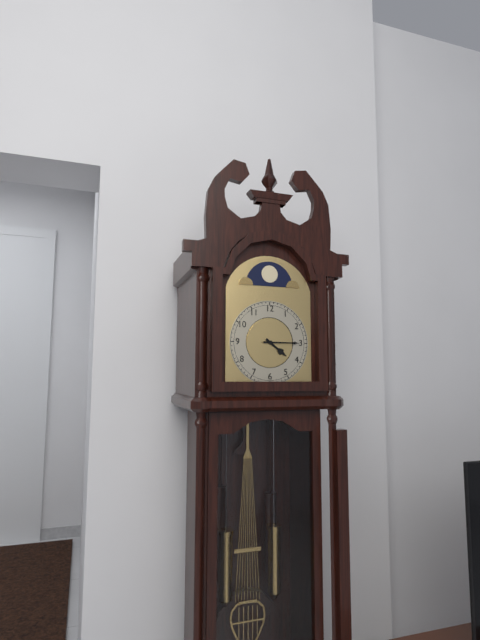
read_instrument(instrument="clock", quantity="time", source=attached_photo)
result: 4:15
